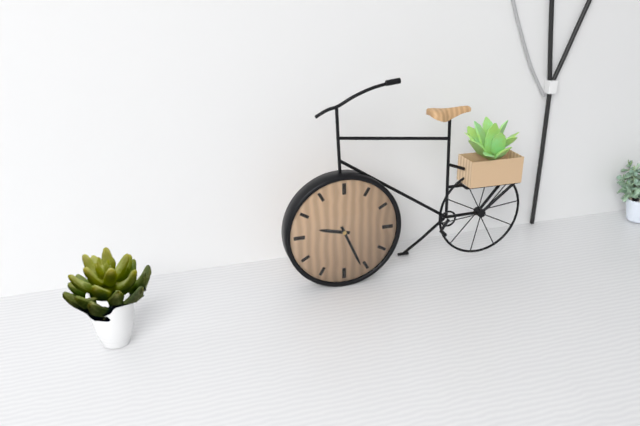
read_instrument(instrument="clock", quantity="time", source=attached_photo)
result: 9:26
